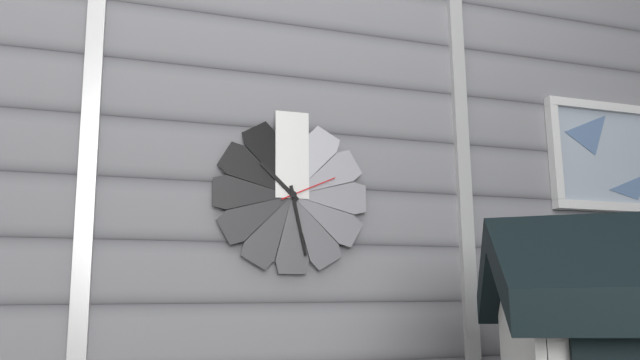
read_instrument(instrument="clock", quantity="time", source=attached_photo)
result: 10:28:11
